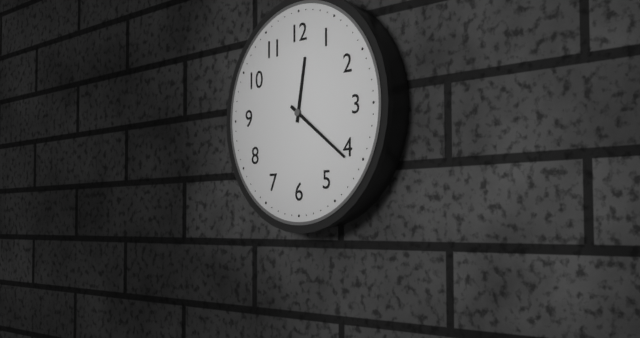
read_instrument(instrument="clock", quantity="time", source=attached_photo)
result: 12:21
